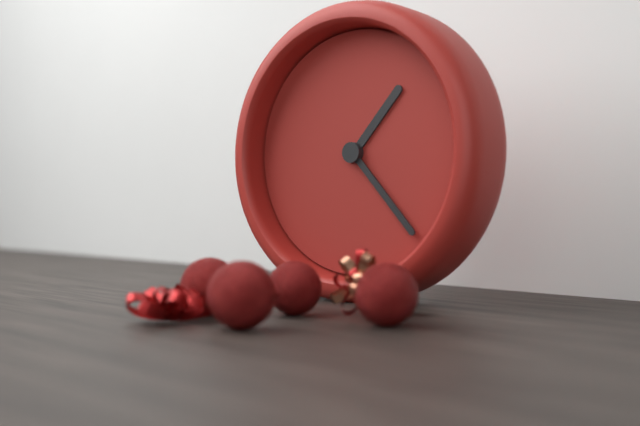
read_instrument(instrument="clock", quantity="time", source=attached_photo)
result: 1:23
